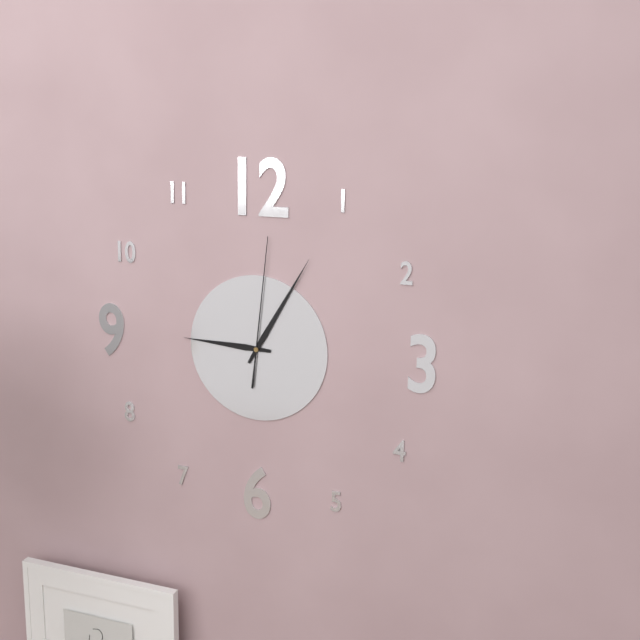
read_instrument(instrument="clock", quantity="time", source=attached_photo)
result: 9:05:01
